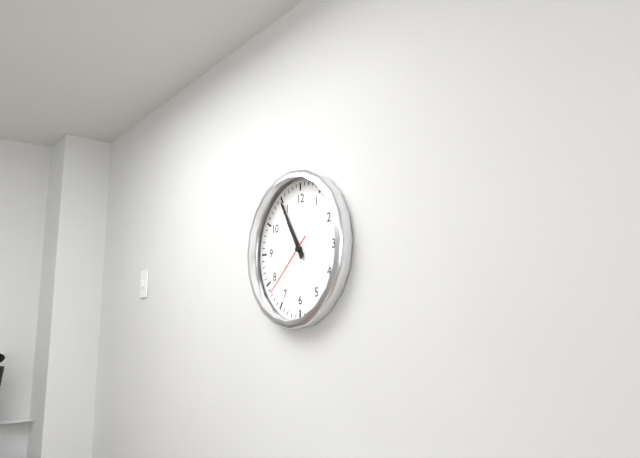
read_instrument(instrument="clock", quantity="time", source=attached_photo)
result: 10:55:38
